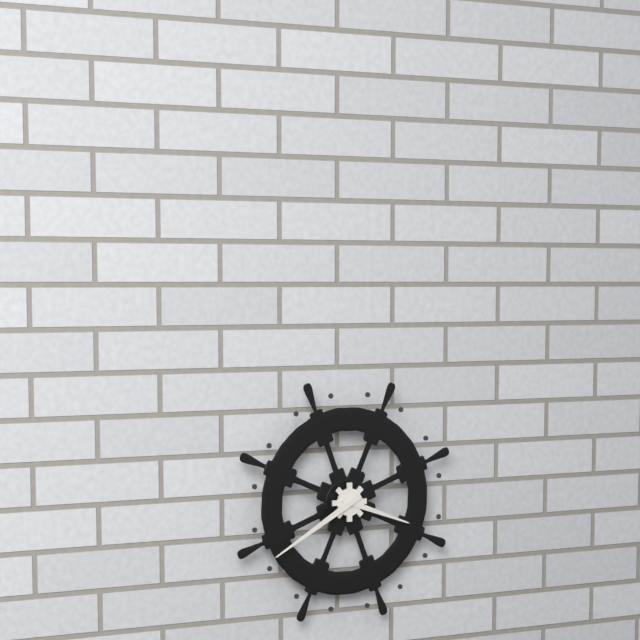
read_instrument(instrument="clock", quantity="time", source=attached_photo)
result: 3:40
